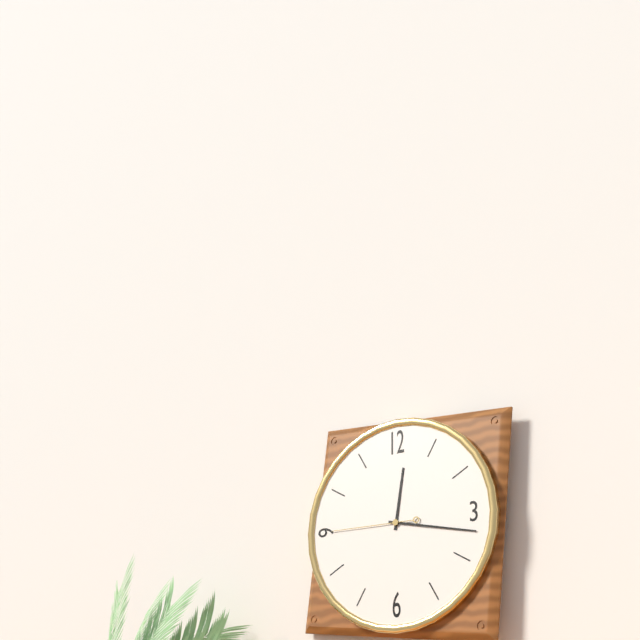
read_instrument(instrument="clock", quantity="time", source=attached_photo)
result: 12:17:45
